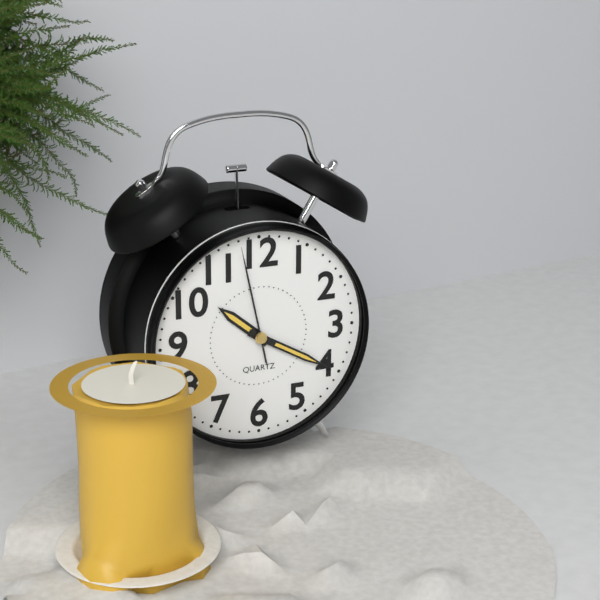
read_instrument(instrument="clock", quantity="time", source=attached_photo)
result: 10:20:58
